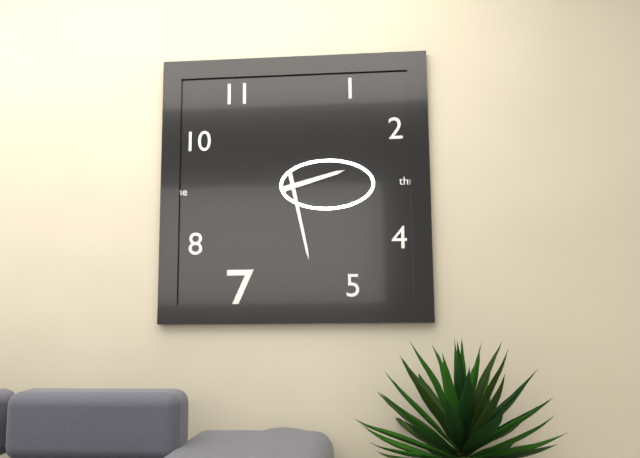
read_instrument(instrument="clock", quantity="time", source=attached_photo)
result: 2:28
